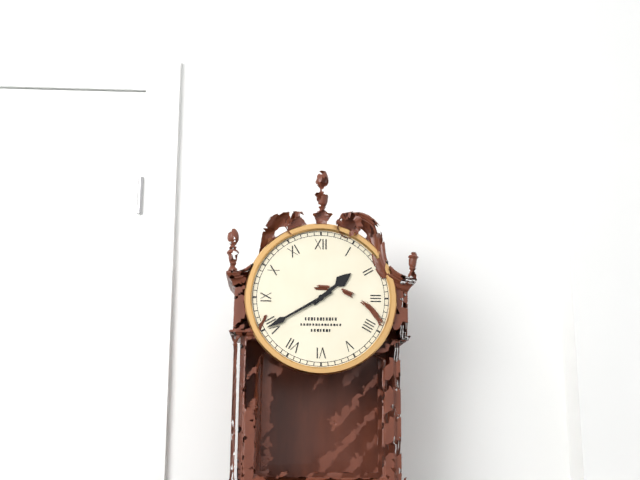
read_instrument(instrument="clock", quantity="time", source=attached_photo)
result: 1:40
